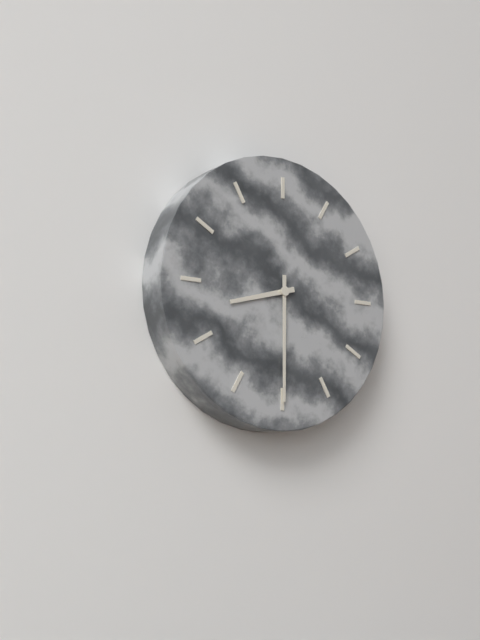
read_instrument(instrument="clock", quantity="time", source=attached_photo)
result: 8:30
